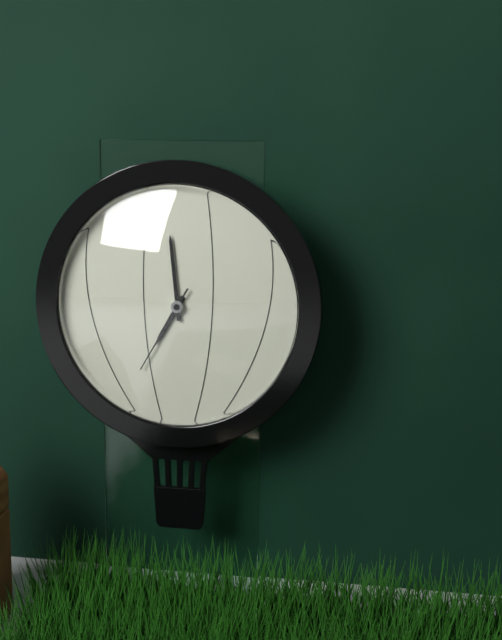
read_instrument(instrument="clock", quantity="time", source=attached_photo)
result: 6:59:35
